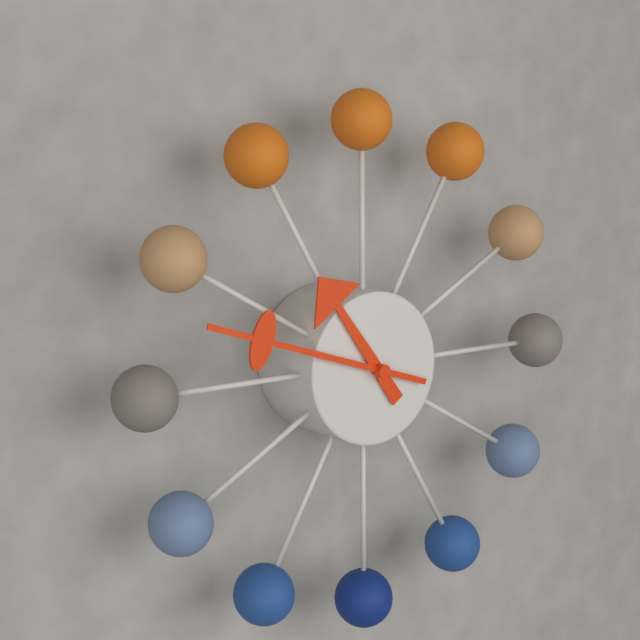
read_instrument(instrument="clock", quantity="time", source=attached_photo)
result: 10:48
